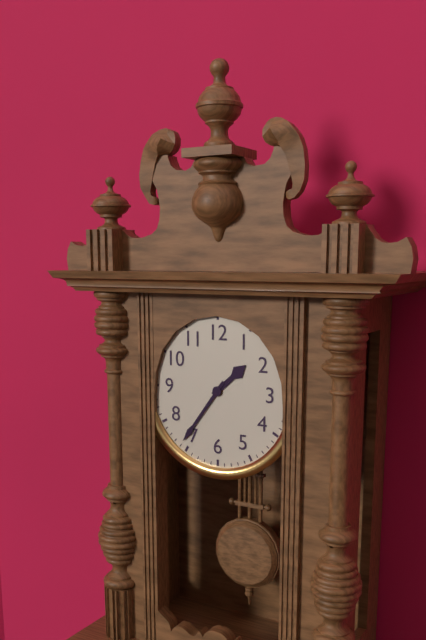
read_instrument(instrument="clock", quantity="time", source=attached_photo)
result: 1:36
